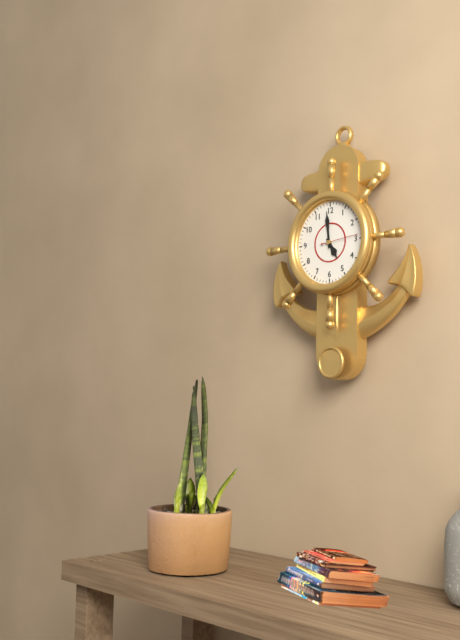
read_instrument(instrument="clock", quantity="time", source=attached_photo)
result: 4:59
